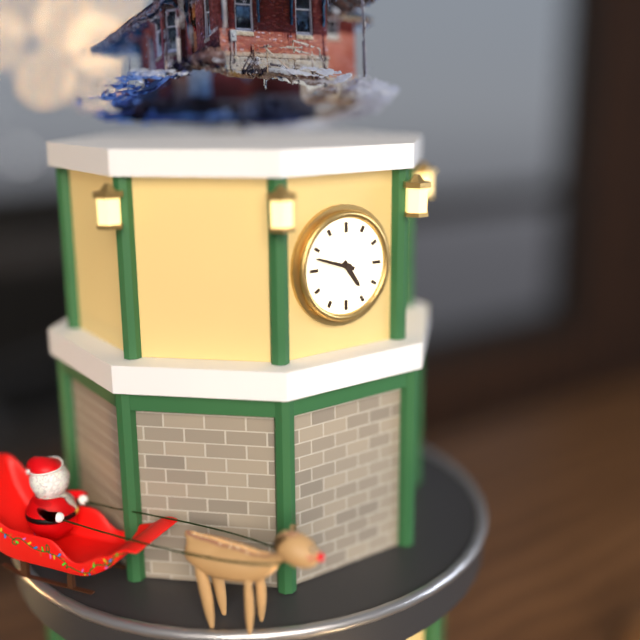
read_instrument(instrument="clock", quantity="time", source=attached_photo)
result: 4:48
